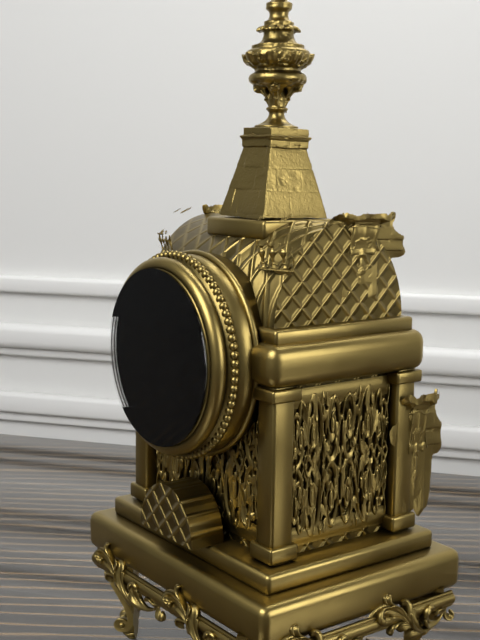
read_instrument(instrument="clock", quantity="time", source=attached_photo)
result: 3:14
